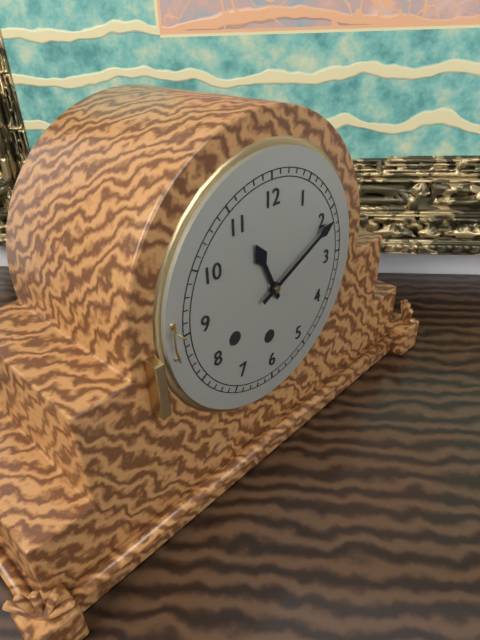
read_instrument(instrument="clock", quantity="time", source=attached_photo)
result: 11:11
